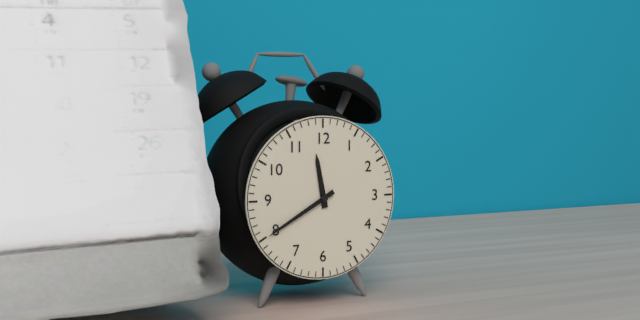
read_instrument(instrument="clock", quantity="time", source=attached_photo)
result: 11:40
